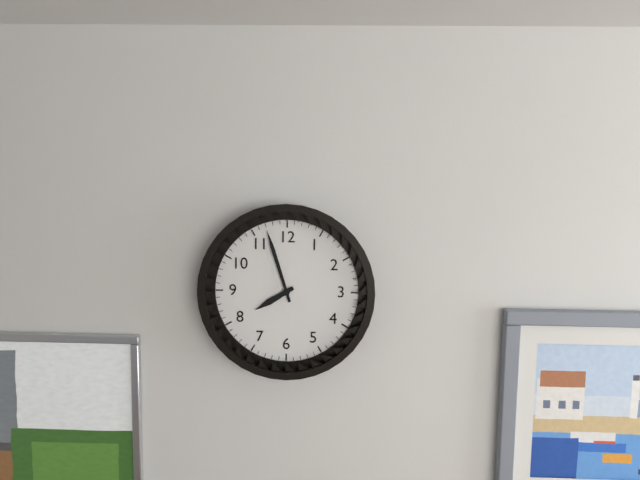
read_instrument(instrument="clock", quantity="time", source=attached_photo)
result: 7:57
